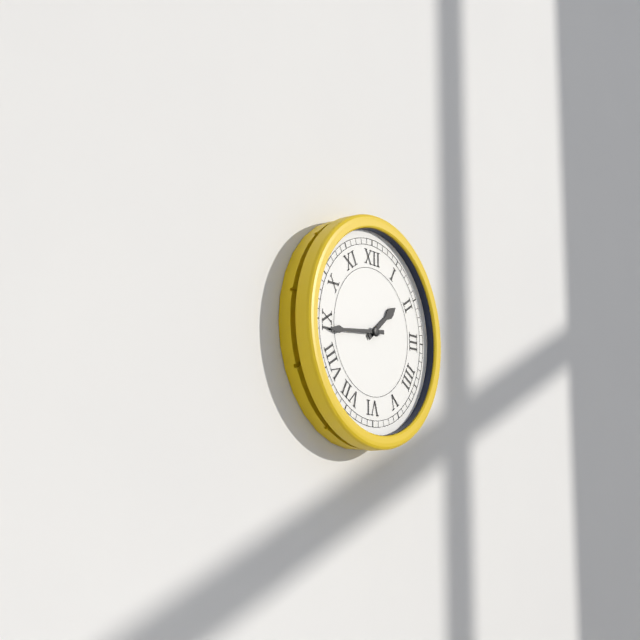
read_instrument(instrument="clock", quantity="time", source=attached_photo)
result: 1:44
